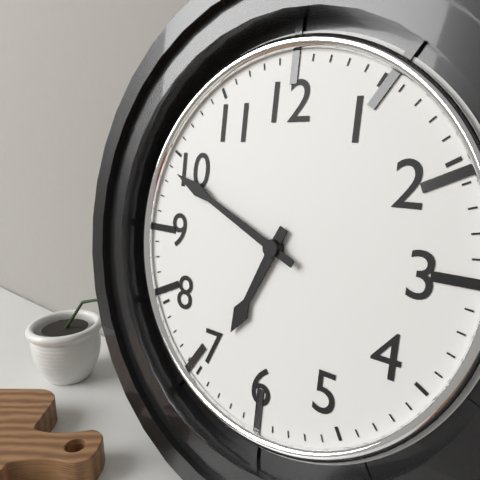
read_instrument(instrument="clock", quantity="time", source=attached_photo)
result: 6:49
